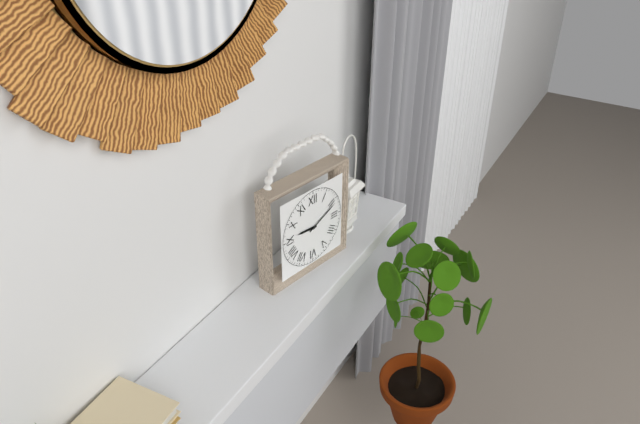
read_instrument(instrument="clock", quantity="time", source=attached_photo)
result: 9:11
